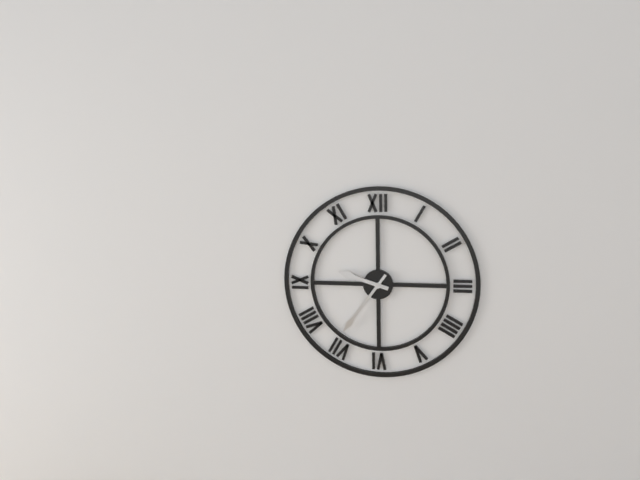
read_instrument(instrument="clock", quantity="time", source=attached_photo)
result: 9:36
